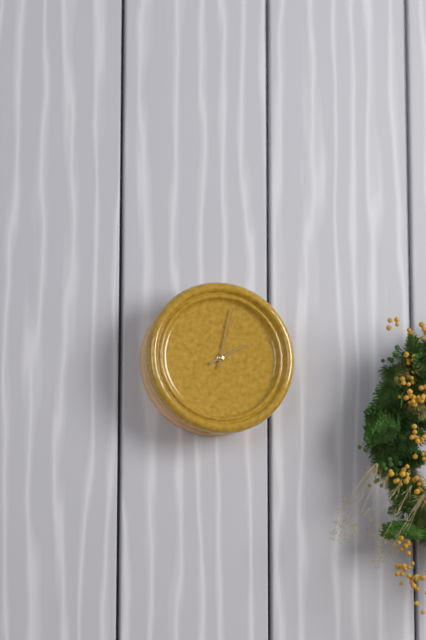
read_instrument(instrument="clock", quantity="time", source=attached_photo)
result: 2:02
